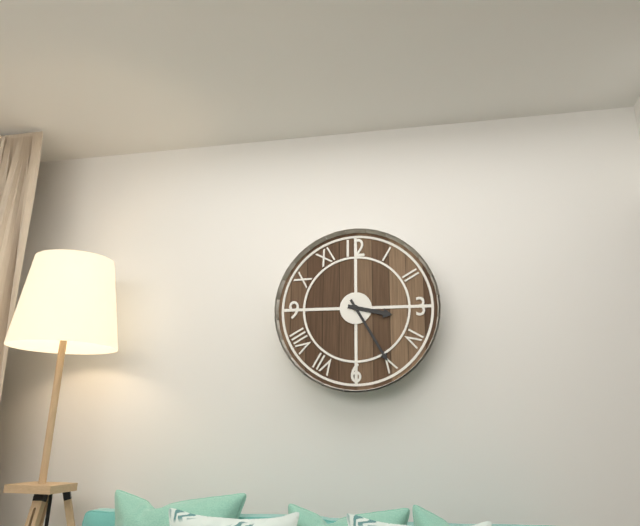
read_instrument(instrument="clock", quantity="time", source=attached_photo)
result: 3:25
